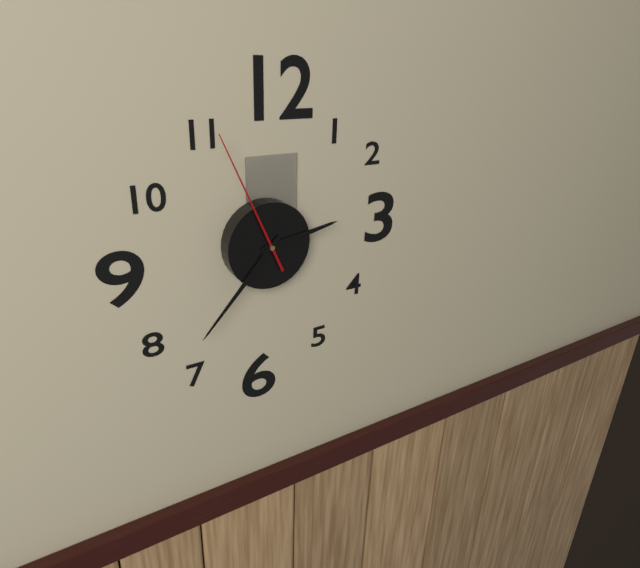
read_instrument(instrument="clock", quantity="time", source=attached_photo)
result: 2:37:56
